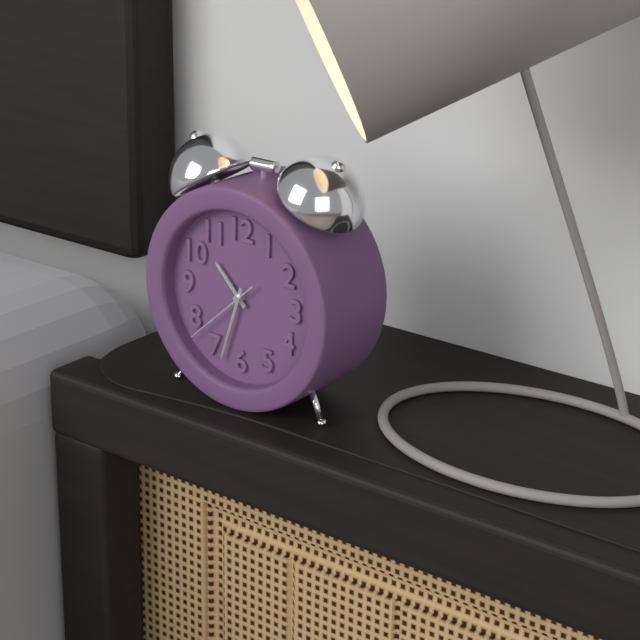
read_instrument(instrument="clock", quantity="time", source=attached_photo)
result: 10:33:38
